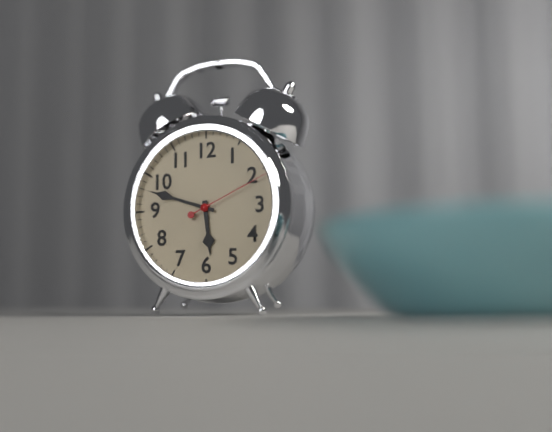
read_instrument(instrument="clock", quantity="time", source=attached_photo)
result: 5:48:11
